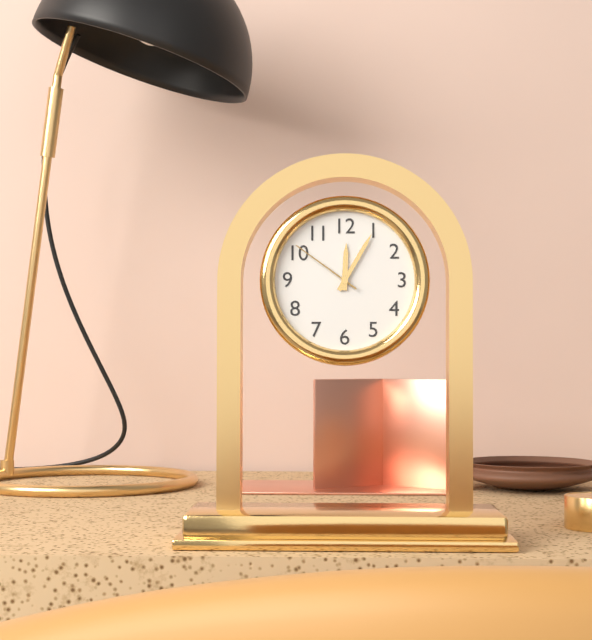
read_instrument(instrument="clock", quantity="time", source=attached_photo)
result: 12:05:51
